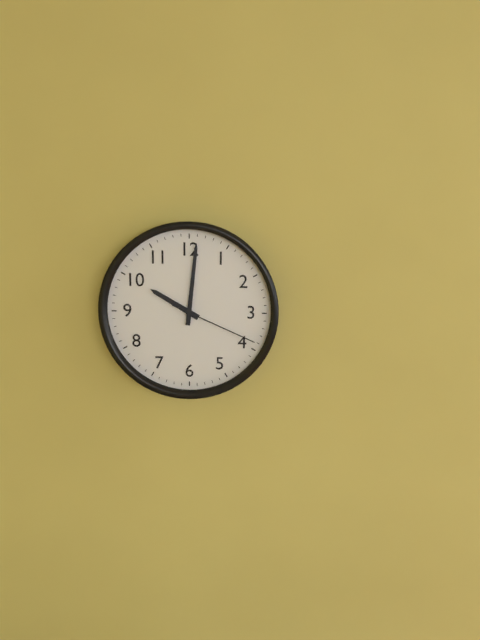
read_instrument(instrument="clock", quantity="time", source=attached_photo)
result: 10:01:19
